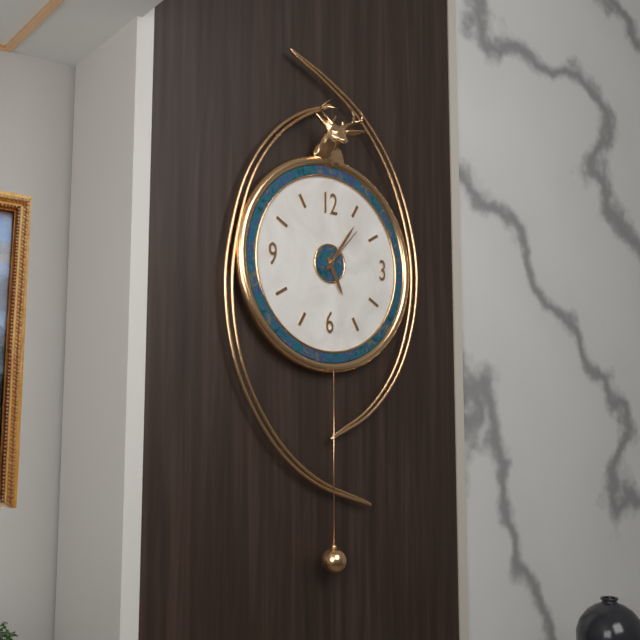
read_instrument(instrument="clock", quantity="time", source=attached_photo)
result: 5:06:07
